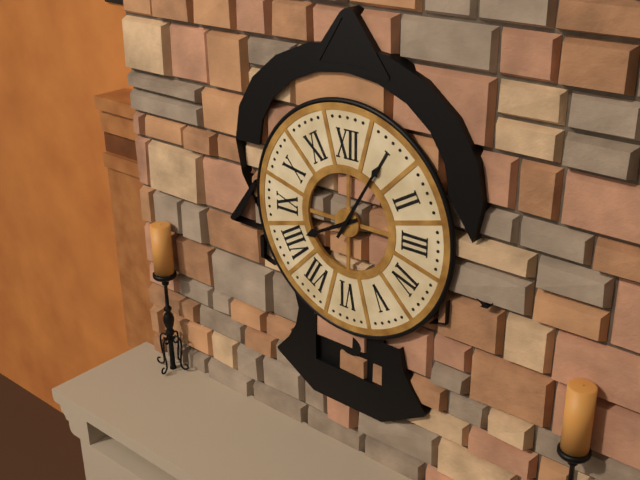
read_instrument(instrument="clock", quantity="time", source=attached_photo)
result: 8:05
